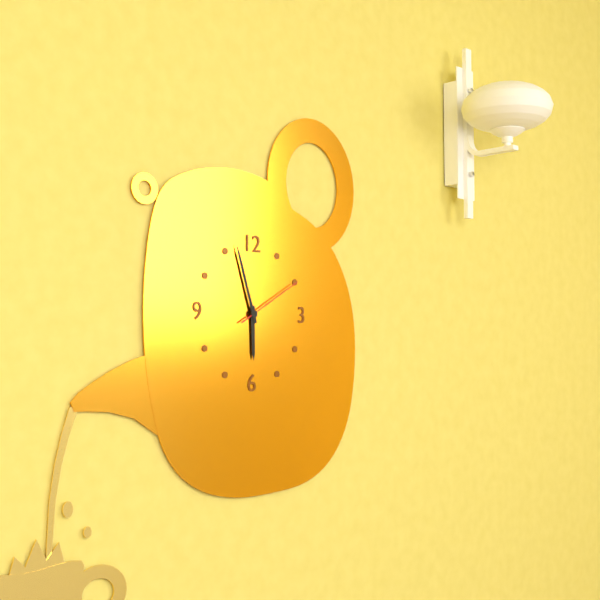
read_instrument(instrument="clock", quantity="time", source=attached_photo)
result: 5:57:10
